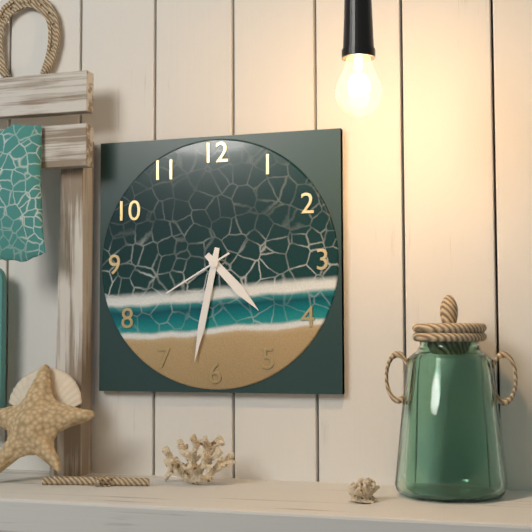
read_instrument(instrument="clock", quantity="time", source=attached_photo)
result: 4:32:40
